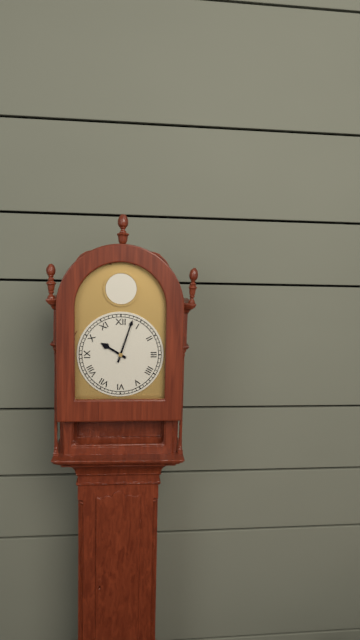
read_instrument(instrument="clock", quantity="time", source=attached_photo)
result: 10:03
